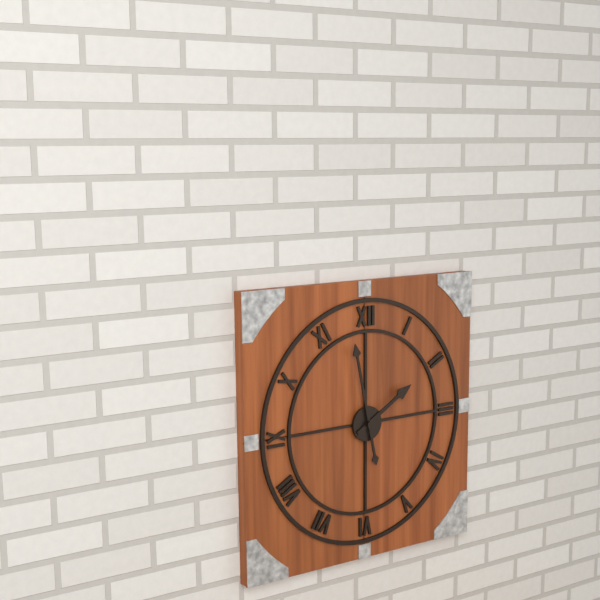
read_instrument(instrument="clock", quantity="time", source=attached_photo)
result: 1:58
